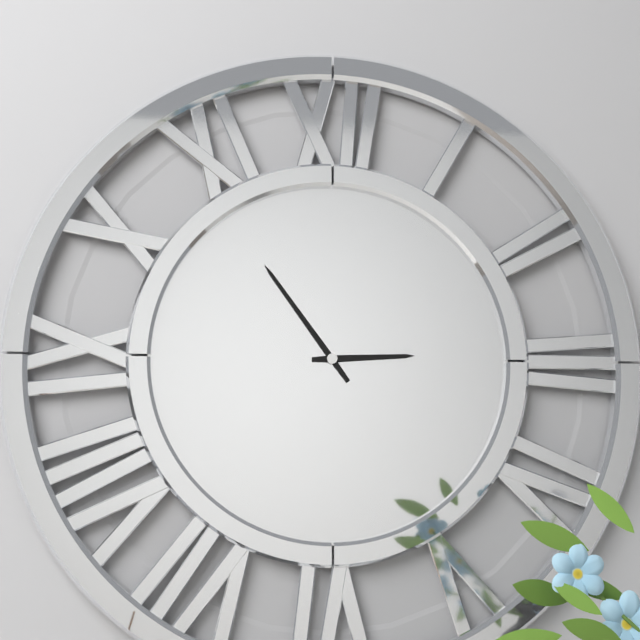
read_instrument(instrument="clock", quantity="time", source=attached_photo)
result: 2:54
